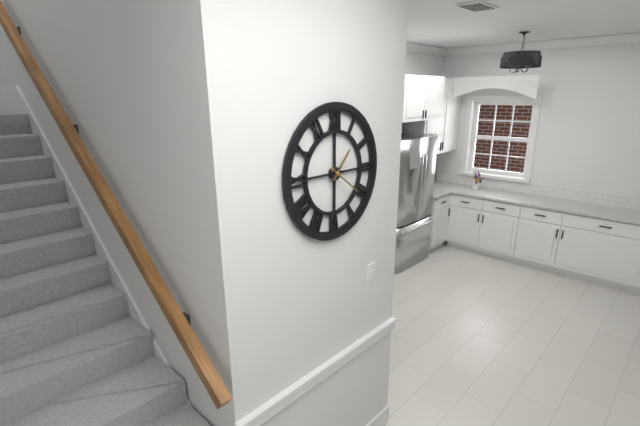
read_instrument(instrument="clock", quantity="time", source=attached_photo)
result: 1:21
